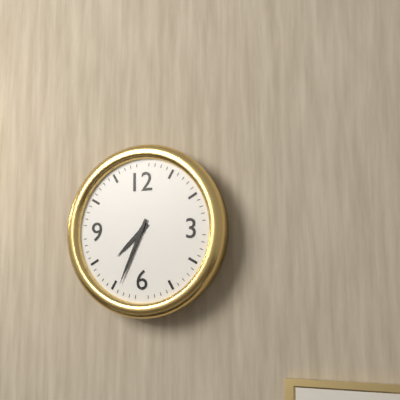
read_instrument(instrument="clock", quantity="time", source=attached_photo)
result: 7:34
